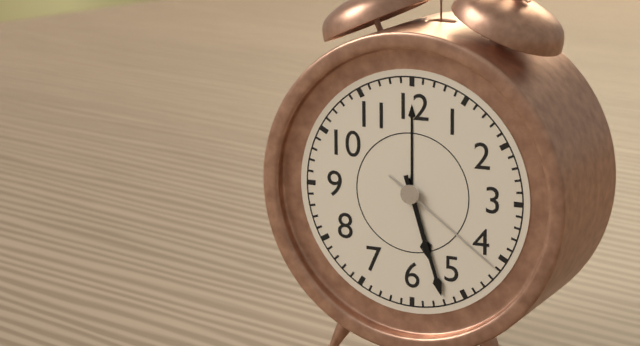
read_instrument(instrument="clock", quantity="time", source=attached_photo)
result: 5:27:21
